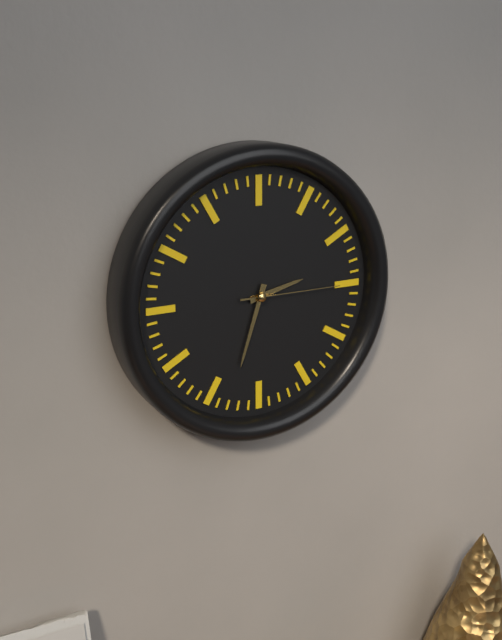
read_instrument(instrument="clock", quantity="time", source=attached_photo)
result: 2:33:15
